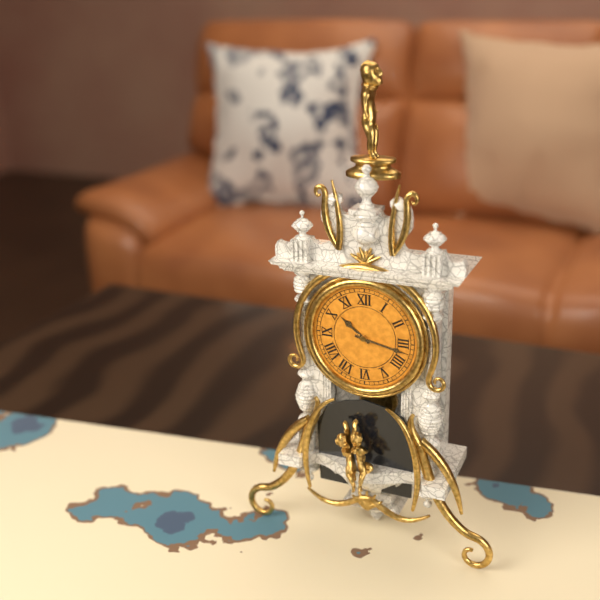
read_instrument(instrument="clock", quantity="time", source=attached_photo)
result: 10:17
